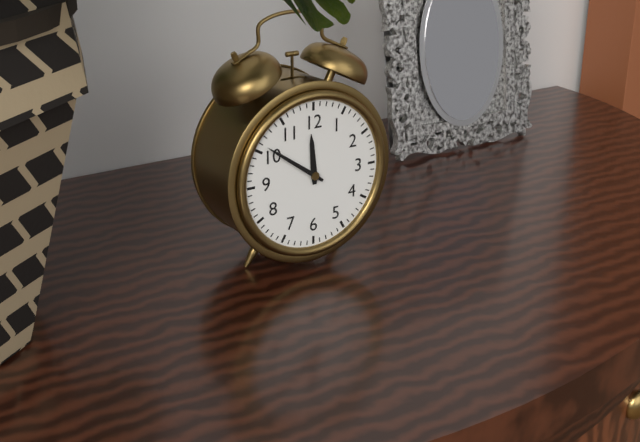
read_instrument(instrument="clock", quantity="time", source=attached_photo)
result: 11:51
